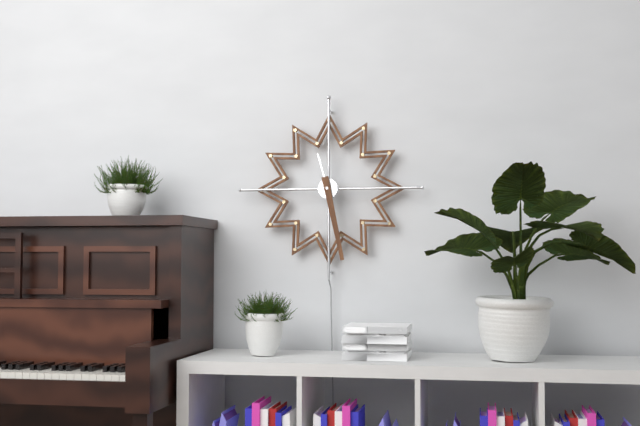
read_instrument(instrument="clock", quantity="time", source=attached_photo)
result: 11:28
